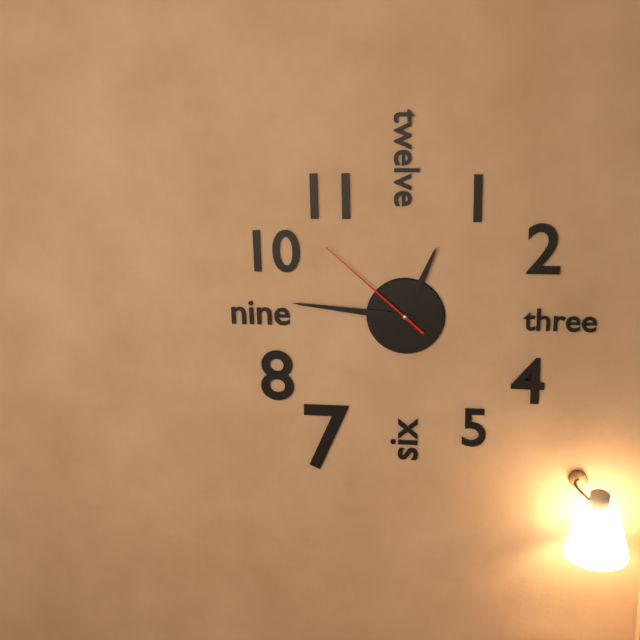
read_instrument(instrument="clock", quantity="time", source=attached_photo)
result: 12:46:52
